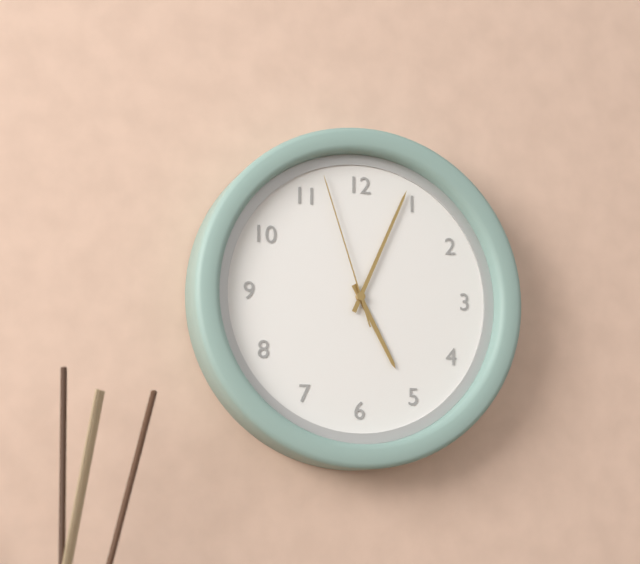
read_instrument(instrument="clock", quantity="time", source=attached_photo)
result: 5:04:57
